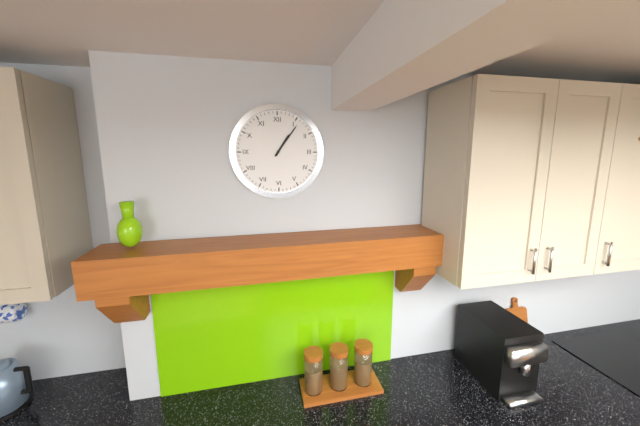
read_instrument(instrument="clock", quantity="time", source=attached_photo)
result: 1:06
